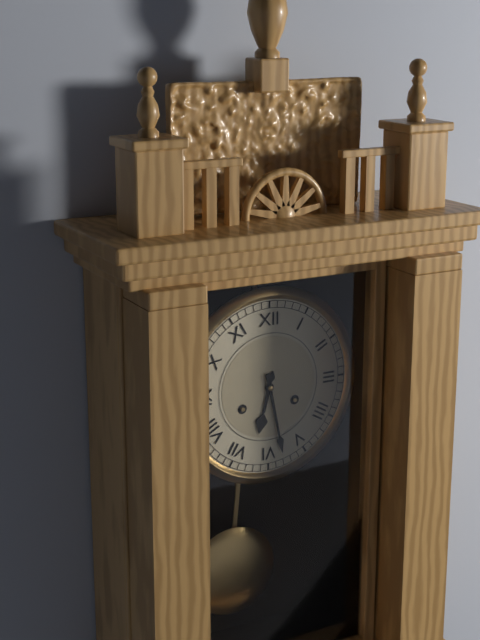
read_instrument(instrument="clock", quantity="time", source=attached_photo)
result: 6:28
